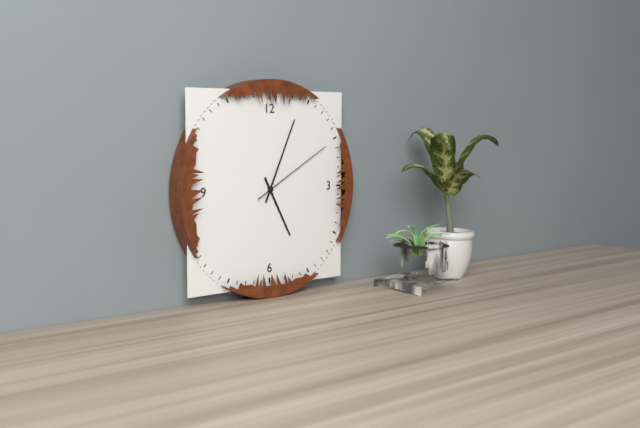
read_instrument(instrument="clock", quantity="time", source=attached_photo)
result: 5:04:10
